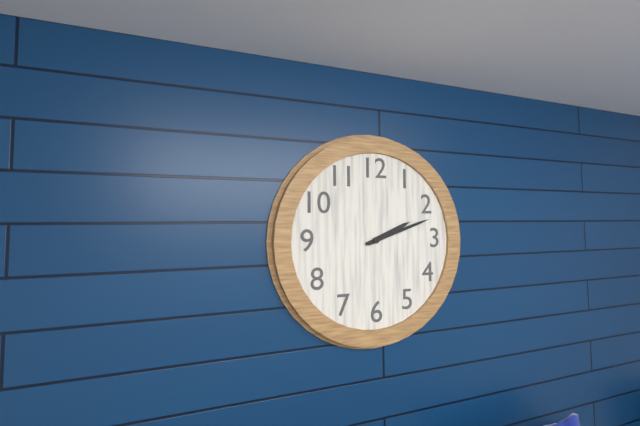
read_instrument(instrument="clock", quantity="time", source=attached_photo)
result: 2:12
